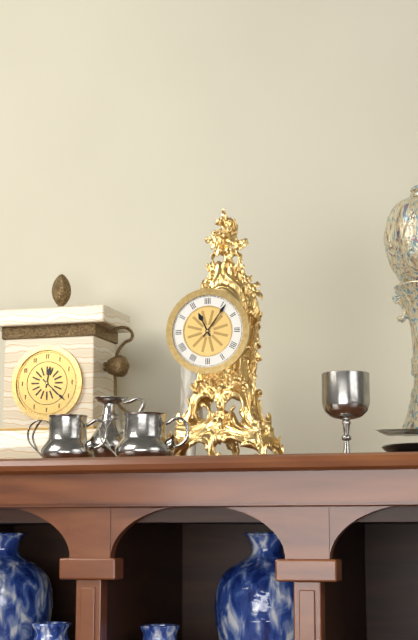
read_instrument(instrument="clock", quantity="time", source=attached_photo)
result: 11:06
